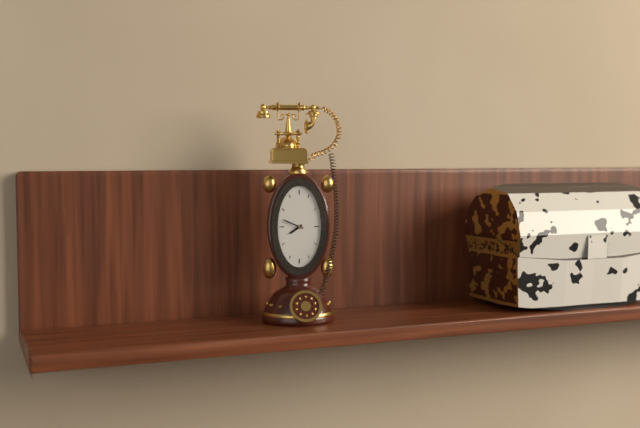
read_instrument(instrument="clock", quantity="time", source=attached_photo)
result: 7:49
